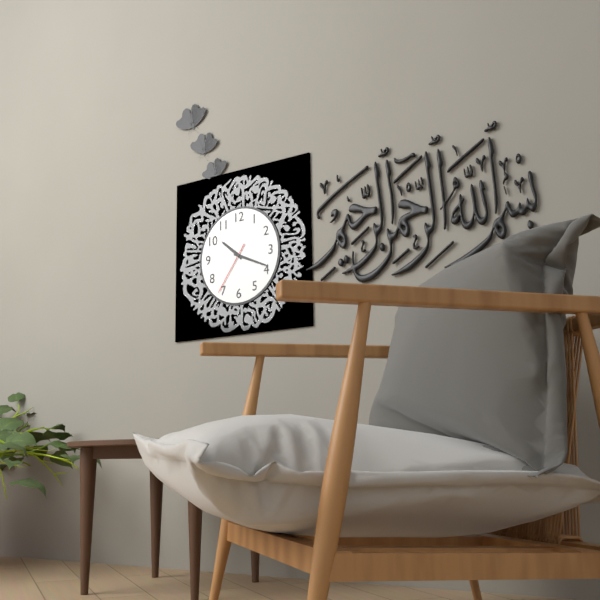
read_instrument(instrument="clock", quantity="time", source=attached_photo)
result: 10:19:36
